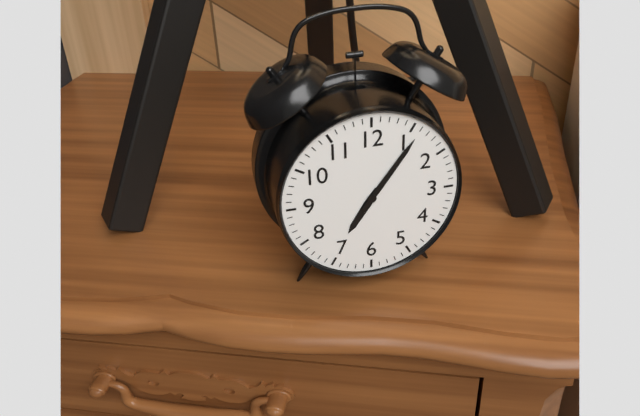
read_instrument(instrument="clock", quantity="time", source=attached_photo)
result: 7:06
